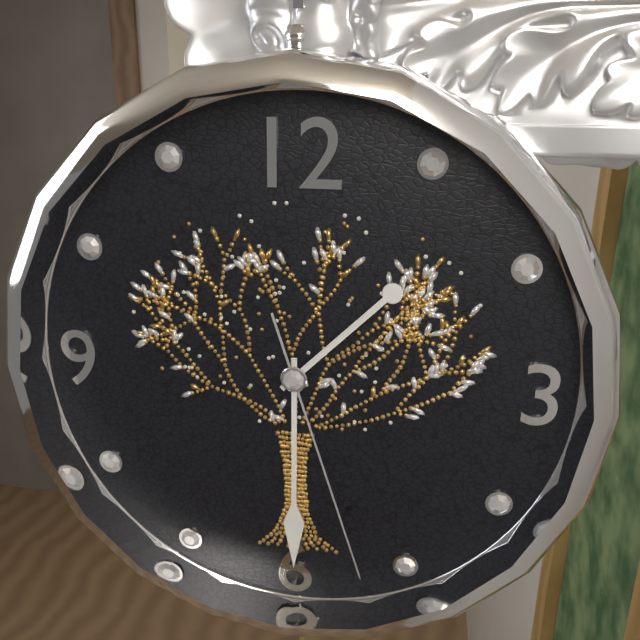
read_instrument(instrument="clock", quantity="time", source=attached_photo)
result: 1:30:27
